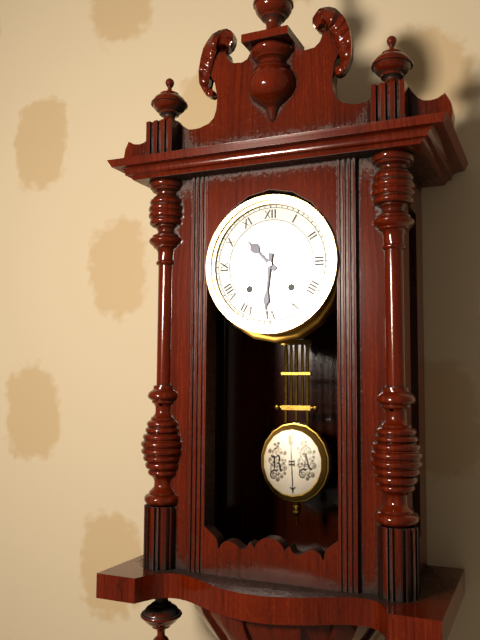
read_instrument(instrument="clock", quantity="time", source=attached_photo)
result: 10:31
